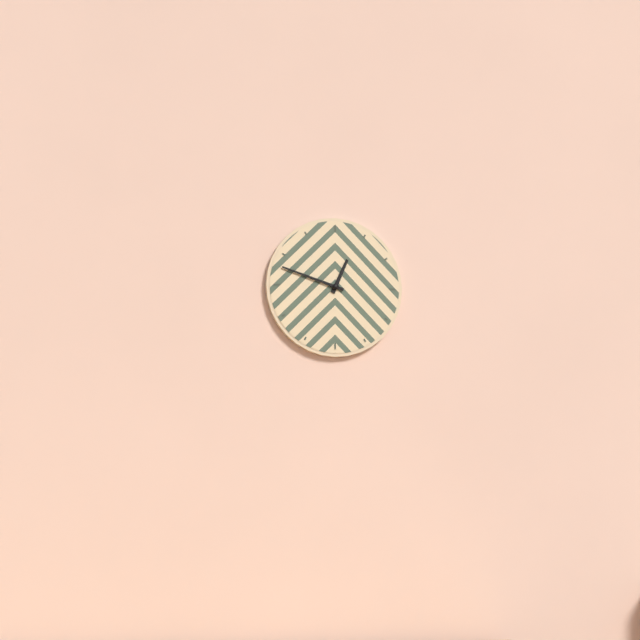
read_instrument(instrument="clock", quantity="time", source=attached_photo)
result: 12:48
